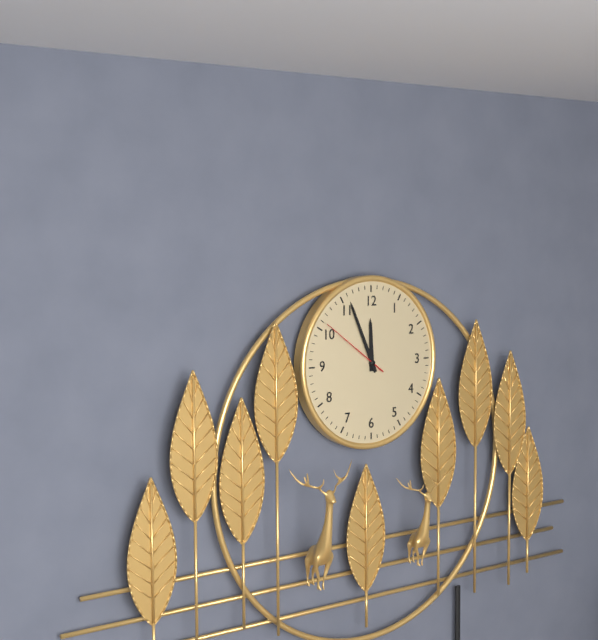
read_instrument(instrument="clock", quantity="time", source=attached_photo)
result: 11:56:51
